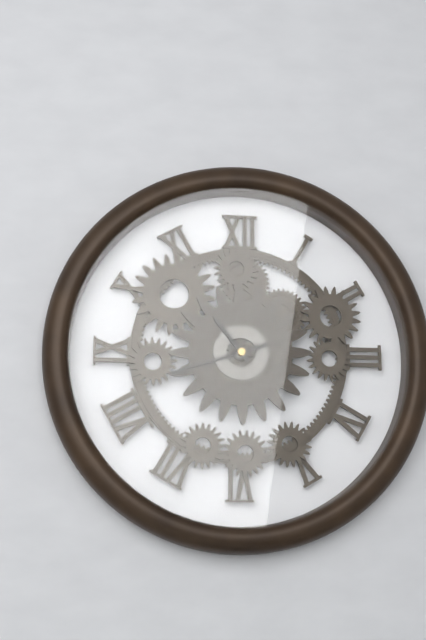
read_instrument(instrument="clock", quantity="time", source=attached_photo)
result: 10:42
